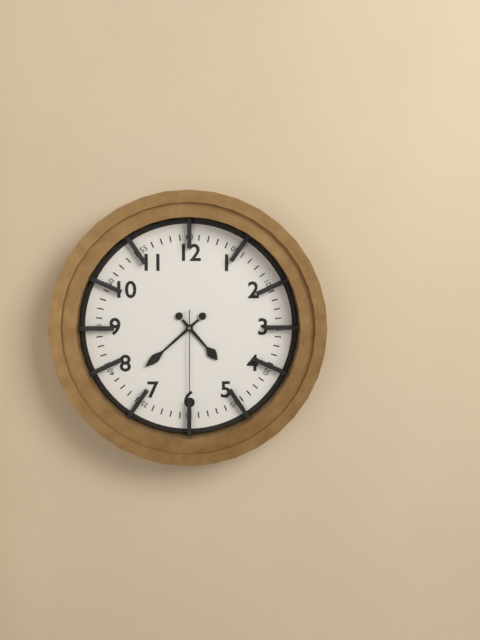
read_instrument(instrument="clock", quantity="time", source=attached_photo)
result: 4:38:30
